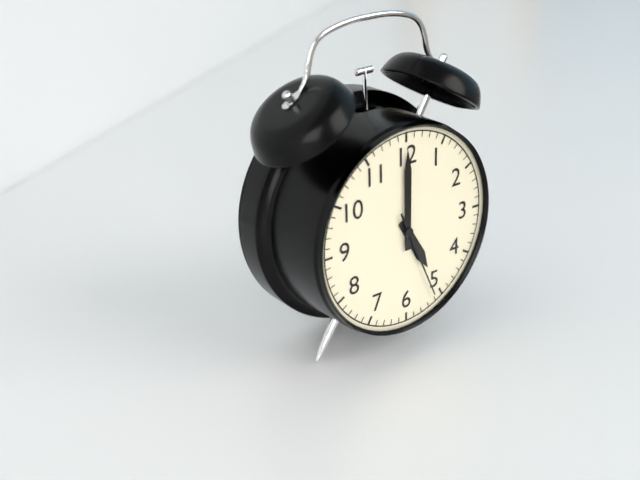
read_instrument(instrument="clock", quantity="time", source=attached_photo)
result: 5:00:26
